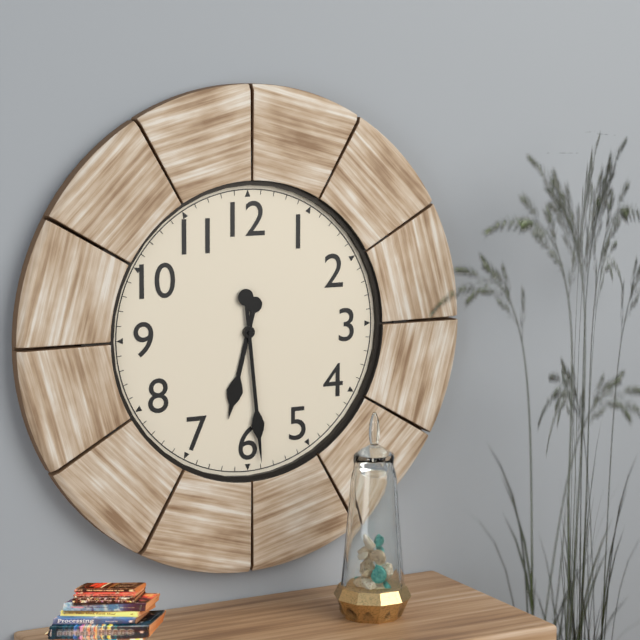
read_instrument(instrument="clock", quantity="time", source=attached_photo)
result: 6:29
